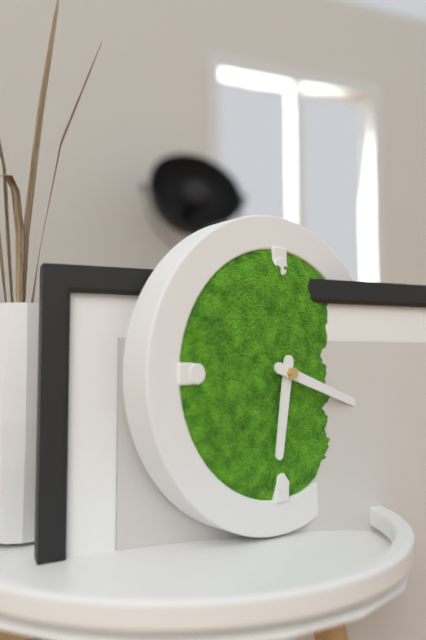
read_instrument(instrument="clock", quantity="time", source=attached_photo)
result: 6:18
